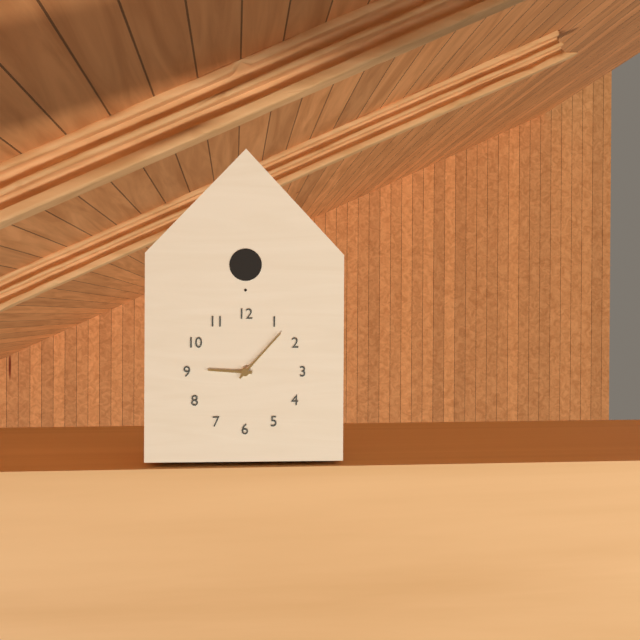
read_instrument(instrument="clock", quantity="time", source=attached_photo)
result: 9:07
